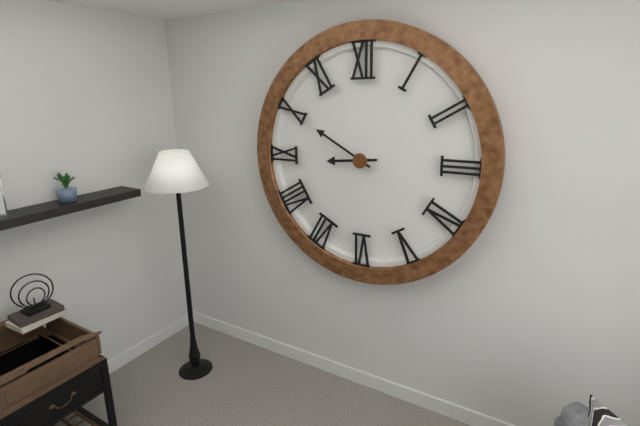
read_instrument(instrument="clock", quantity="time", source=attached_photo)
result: 8:50
